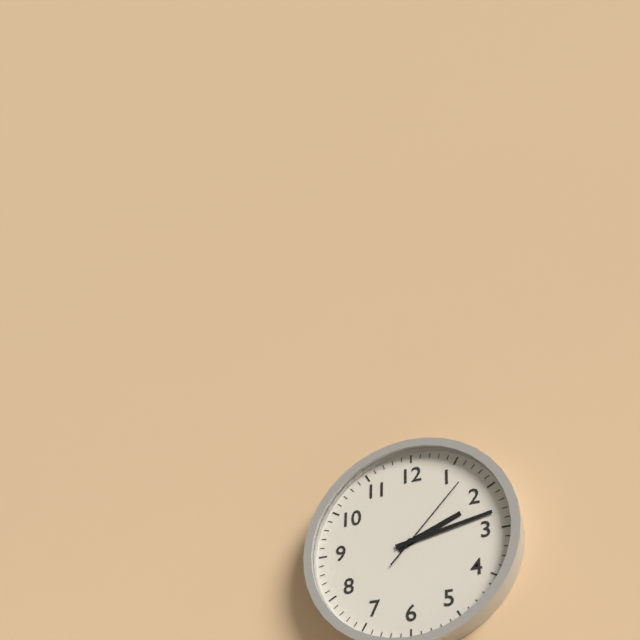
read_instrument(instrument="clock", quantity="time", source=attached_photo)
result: 2:13:07
